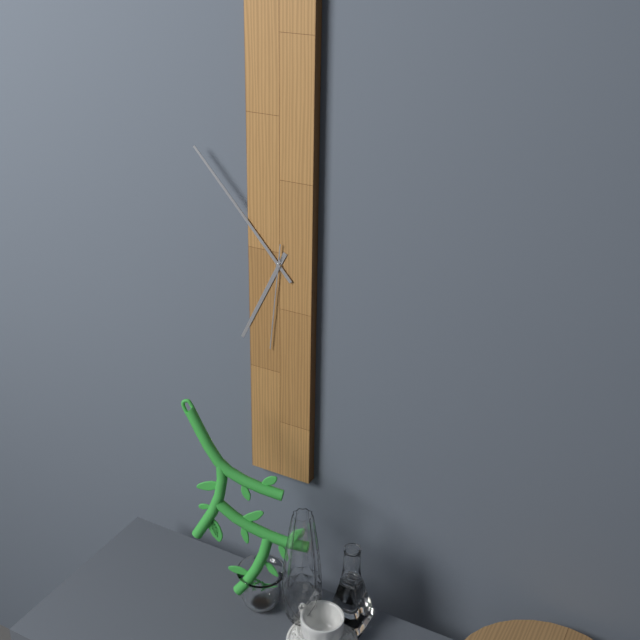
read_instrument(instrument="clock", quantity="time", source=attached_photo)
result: 6:53:31
